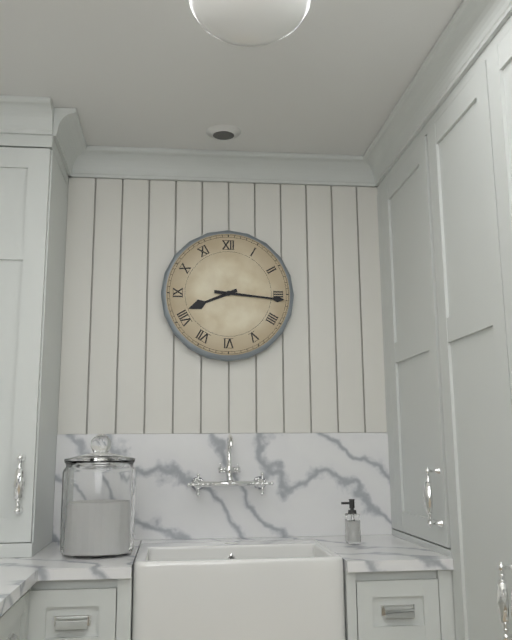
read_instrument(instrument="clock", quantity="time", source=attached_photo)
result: 8:16
